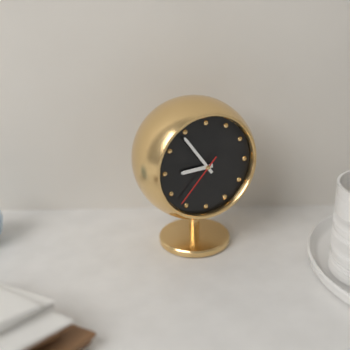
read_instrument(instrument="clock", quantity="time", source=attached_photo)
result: 8:54:37
